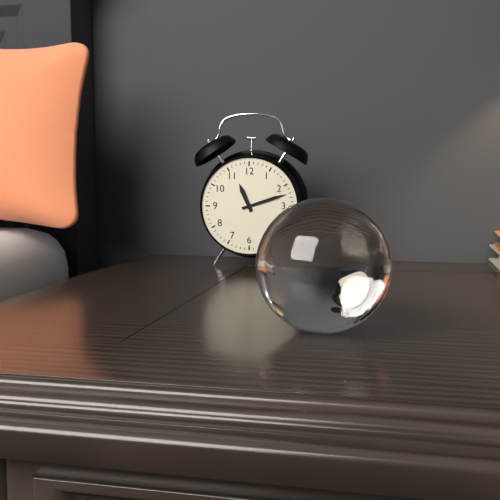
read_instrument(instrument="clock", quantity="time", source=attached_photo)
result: 11:12
